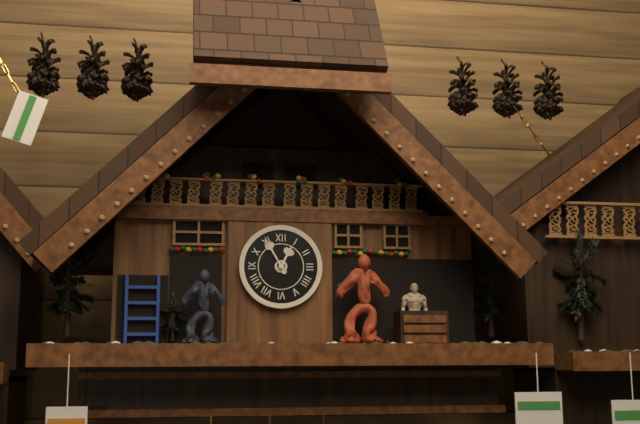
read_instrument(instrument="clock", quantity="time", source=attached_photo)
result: 12:55
